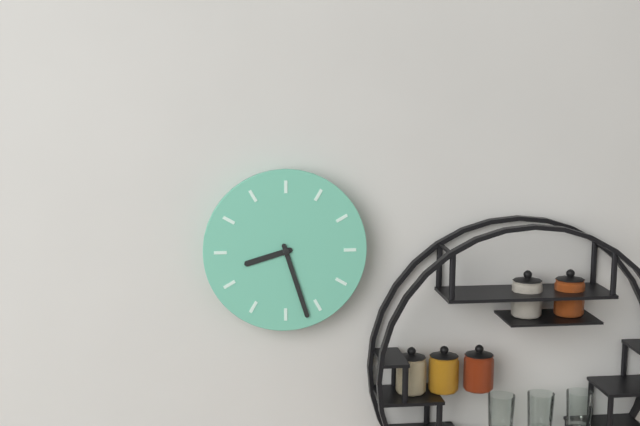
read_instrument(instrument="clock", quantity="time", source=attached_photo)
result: 8:27
